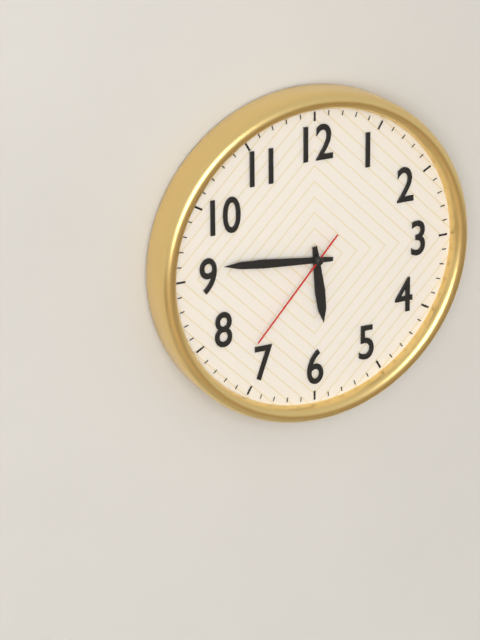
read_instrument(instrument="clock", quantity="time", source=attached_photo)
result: 5:46:37
